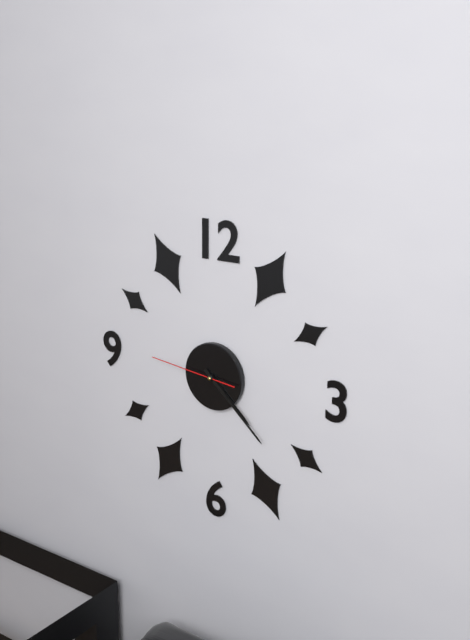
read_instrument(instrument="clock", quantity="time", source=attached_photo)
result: 4:22:46
